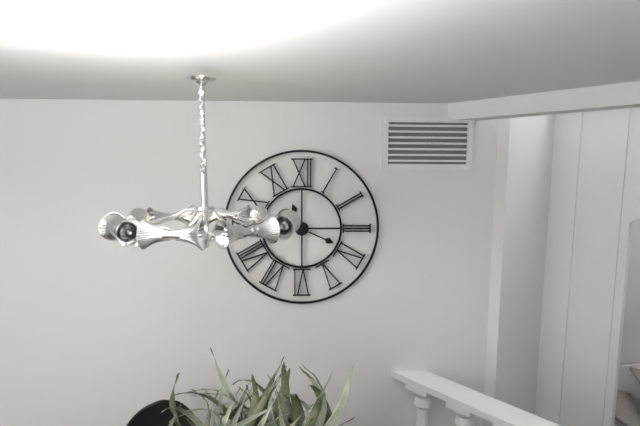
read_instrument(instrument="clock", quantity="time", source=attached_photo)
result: 11:19
